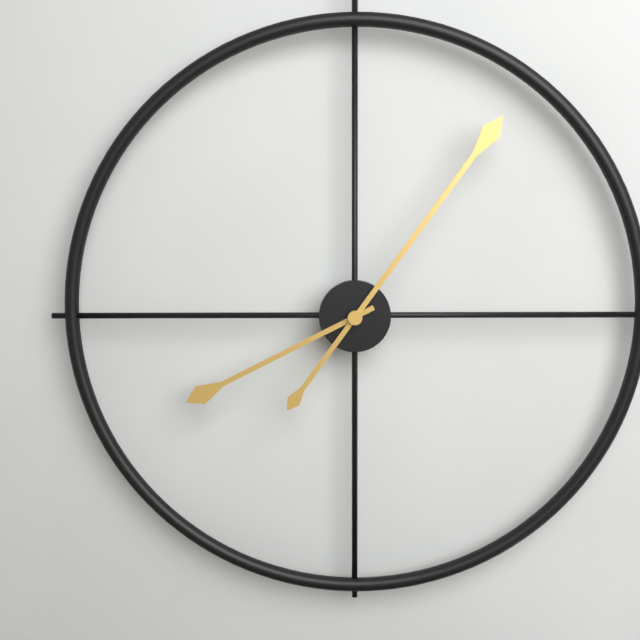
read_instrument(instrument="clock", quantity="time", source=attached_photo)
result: 8:06
